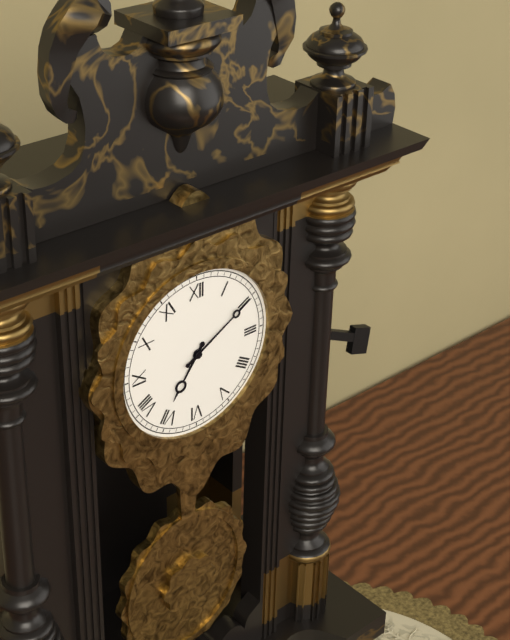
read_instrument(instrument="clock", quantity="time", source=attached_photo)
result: 7:10
